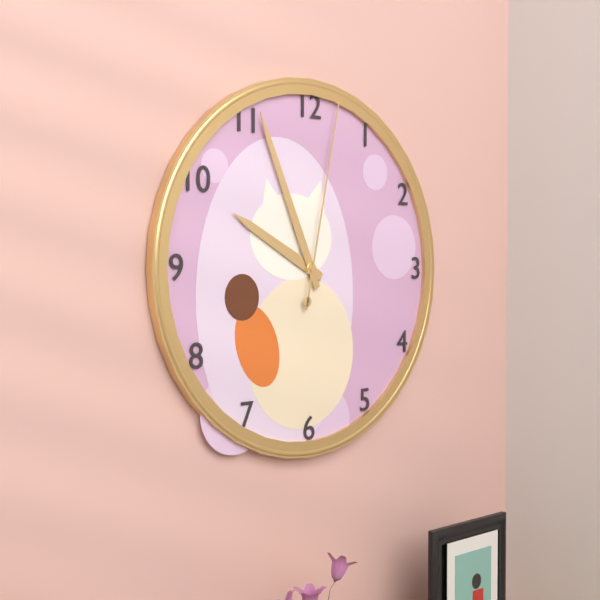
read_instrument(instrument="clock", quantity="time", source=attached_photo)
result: 9:56:02
